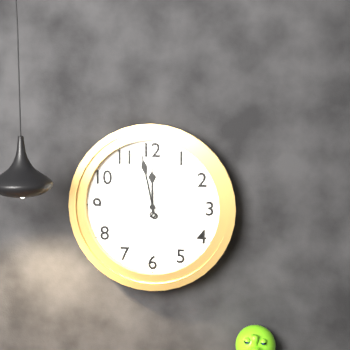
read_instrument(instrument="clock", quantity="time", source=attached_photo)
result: 11:58
